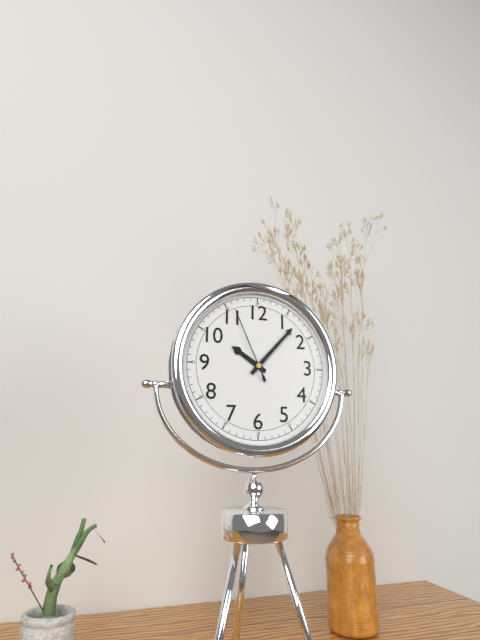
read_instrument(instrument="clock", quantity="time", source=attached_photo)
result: 10:07:56
